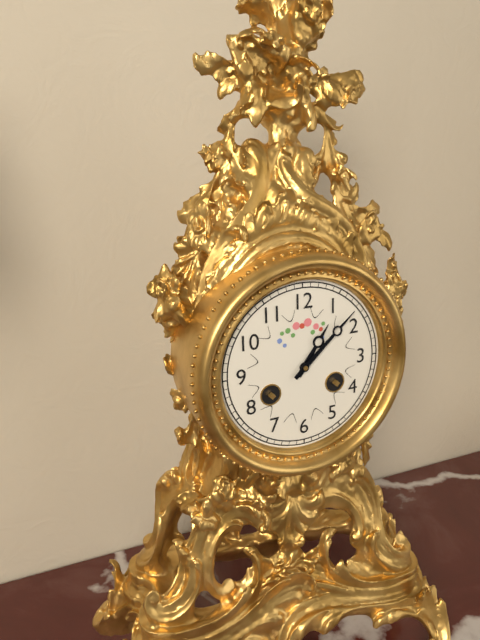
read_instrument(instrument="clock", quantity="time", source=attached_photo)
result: 1:08
